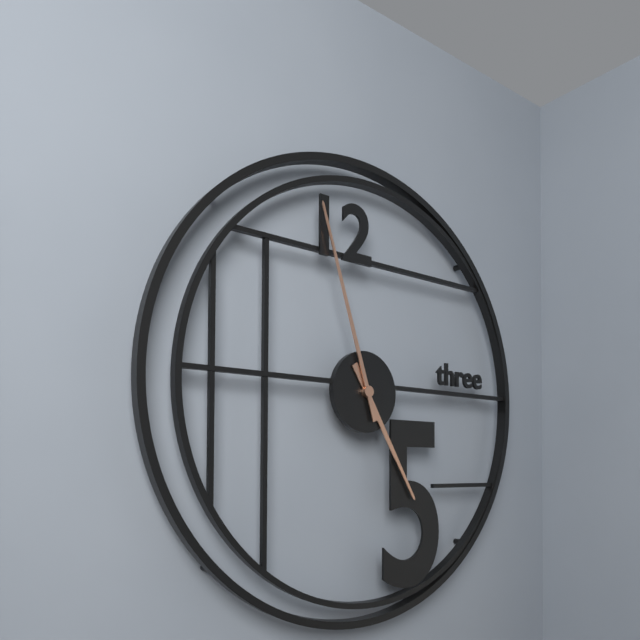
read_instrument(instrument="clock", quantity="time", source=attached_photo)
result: 4:57
